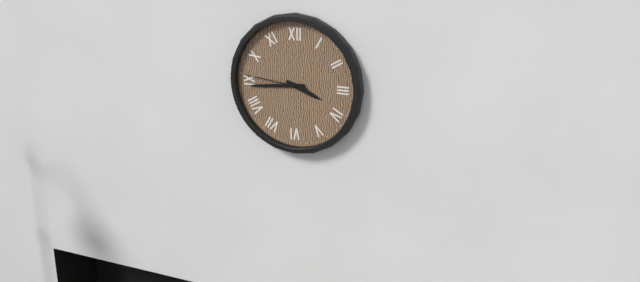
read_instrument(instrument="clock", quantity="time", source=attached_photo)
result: 3:44:46
